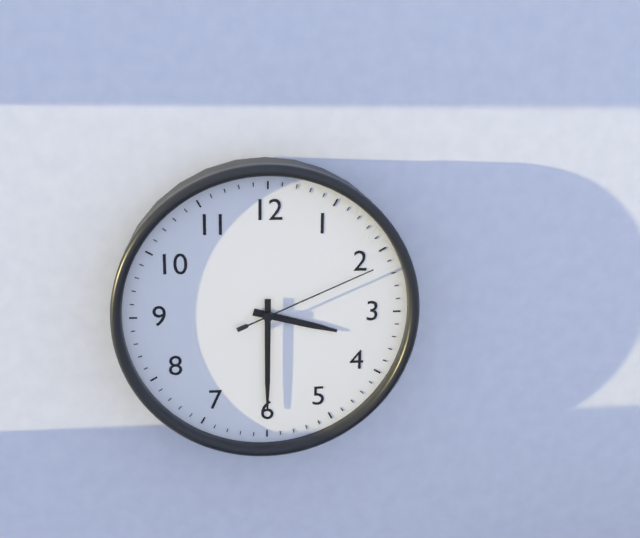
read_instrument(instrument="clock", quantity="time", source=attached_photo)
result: 3:30:11
